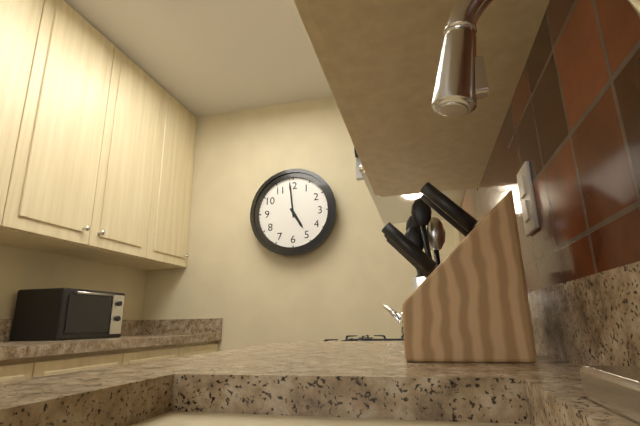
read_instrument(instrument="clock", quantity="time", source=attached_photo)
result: 4:59
